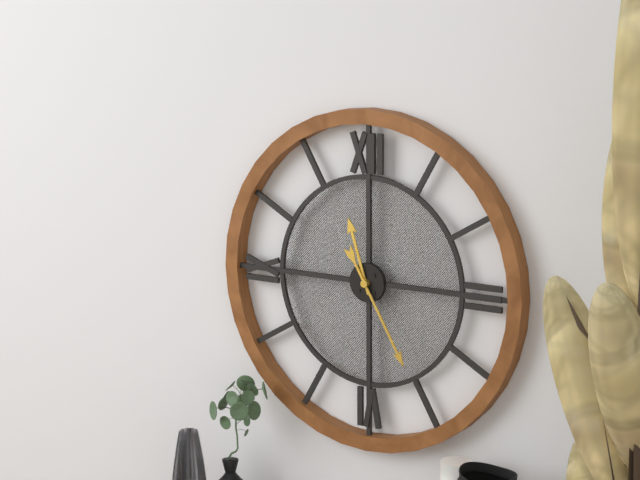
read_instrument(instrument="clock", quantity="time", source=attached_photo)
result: 11:25
